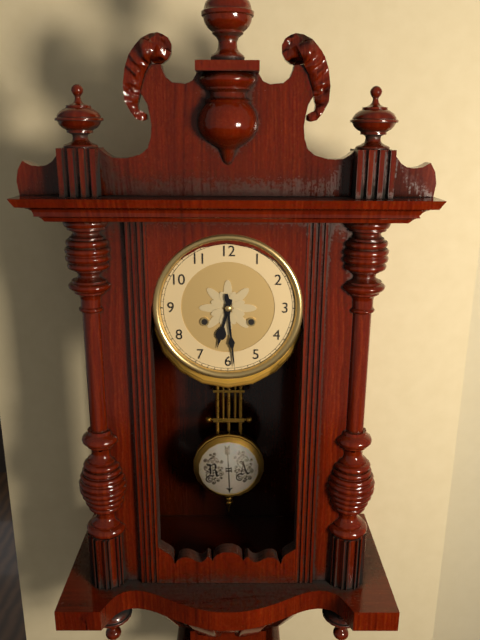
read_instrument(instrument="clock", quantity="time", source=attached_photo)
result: 6:29
